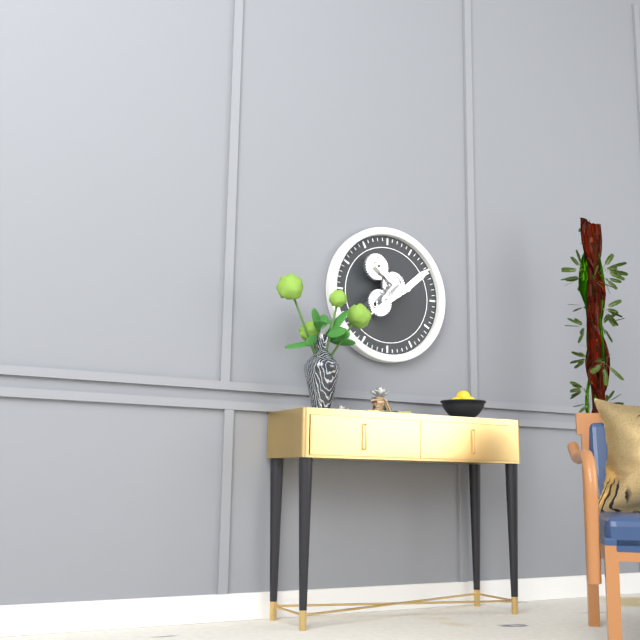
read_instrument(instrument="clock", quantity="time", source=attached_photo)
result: 1:39
